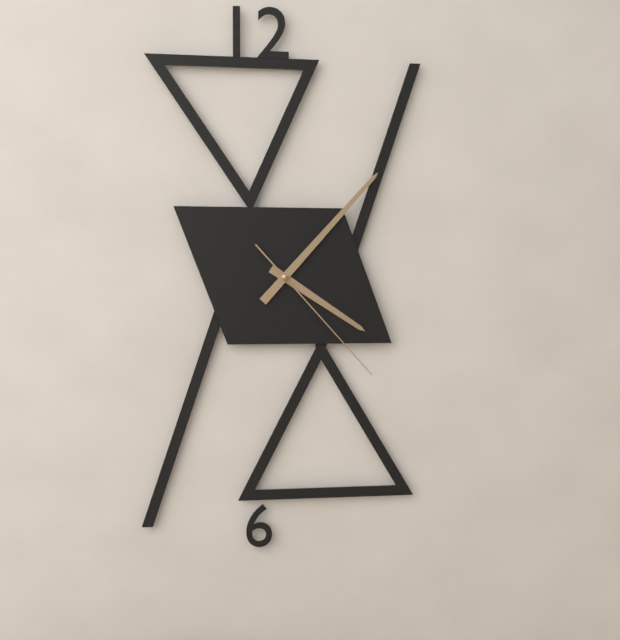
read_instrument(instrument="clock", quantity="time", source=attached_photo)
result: 4:07:23
